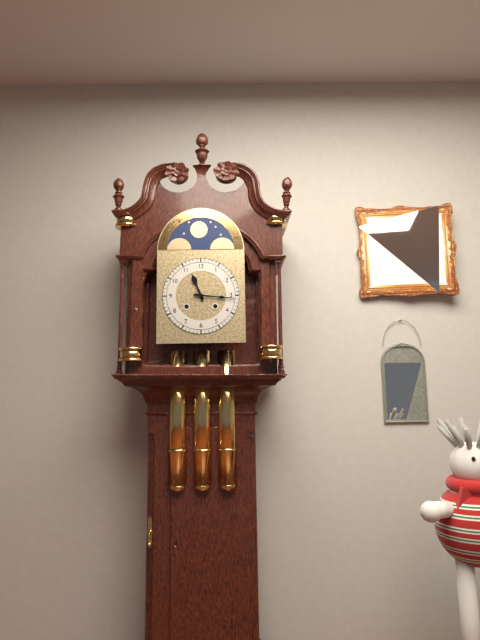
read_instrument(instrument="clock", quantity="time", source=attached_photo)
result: 11:16
